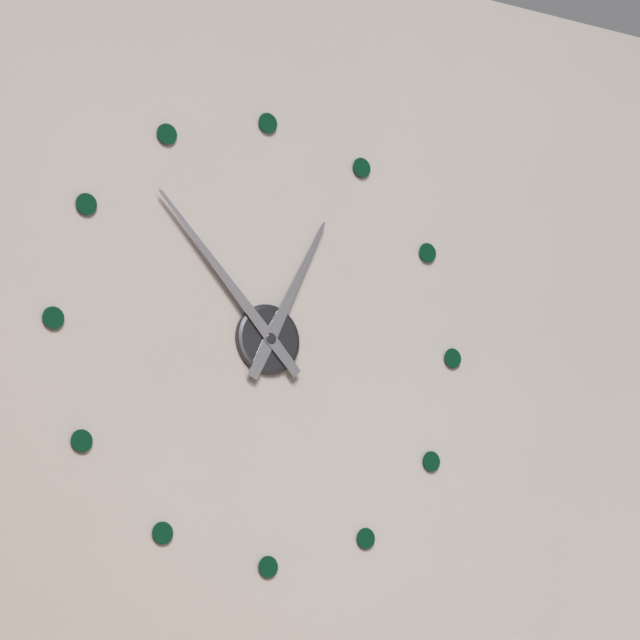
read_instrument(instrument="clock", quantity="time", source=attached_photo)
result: 12:53
